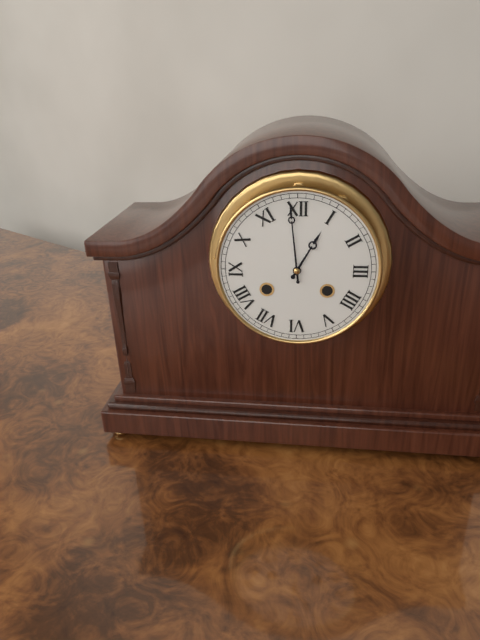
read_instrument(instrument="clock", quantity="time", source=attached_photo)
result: 12:59
